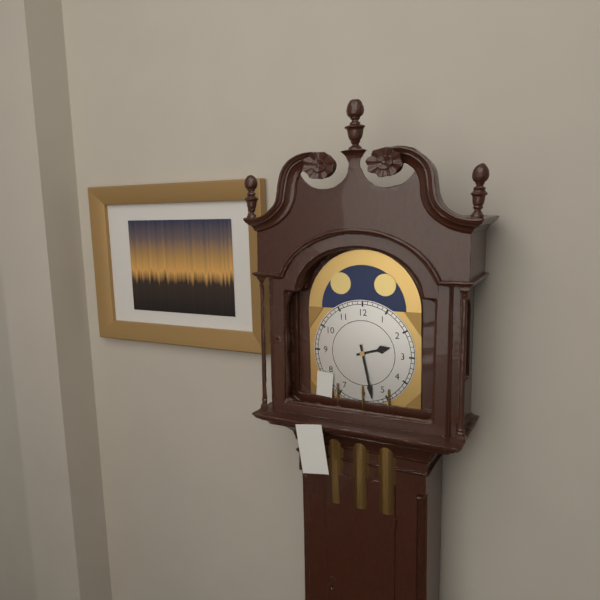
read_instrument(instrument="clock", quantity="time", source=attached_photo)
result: 2:28
